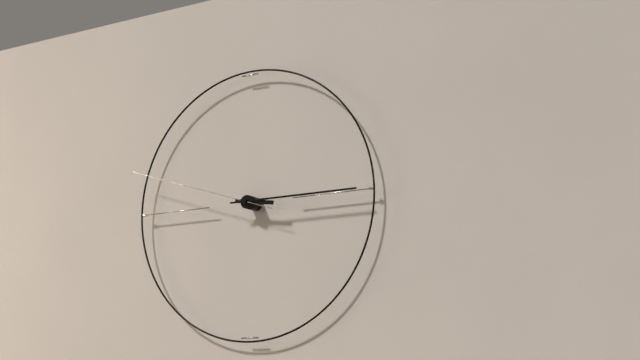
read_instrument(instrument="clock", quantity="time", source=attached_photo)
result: 3:15:48
